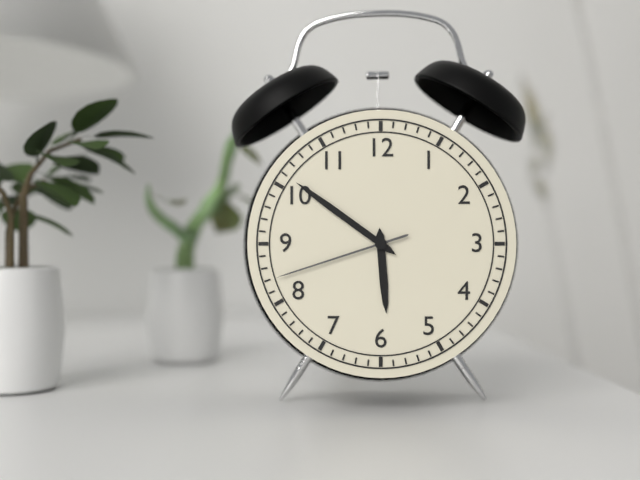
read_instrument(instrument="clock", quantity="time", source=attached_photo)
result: 5:51:42
